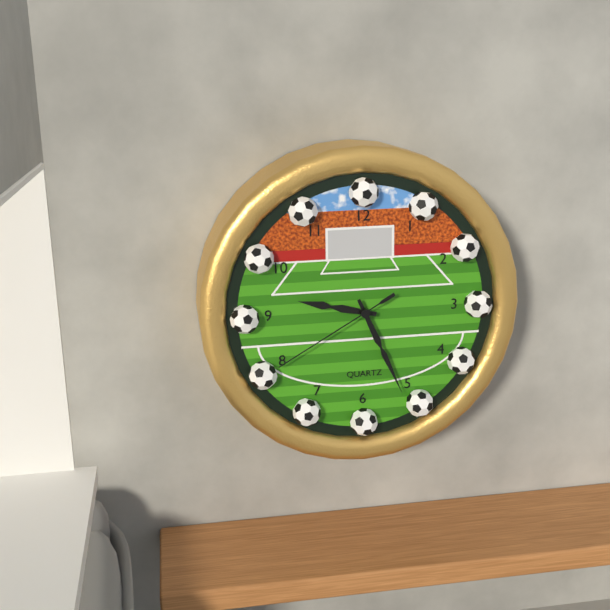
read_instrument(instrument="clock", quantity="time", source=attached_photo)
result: 9:26:40
